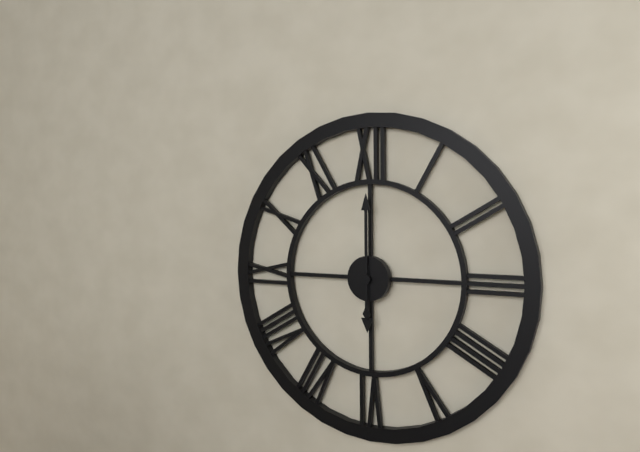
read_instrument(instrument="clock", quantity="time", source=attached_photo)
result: 6:00
